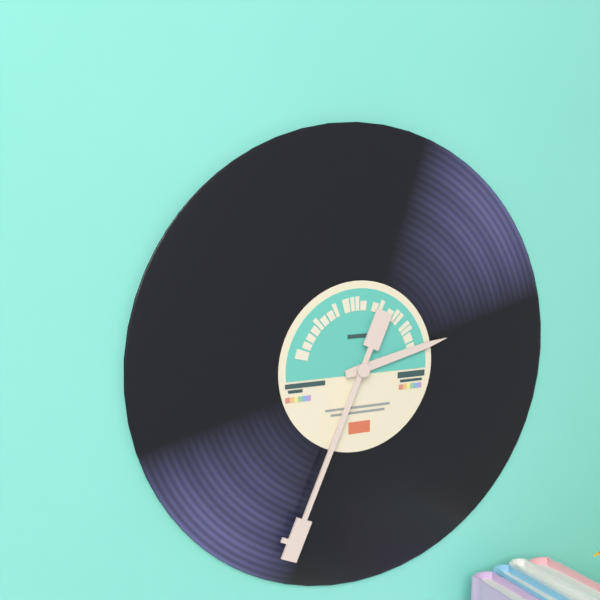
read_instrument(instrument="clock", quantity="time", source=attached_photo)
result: 2:34
